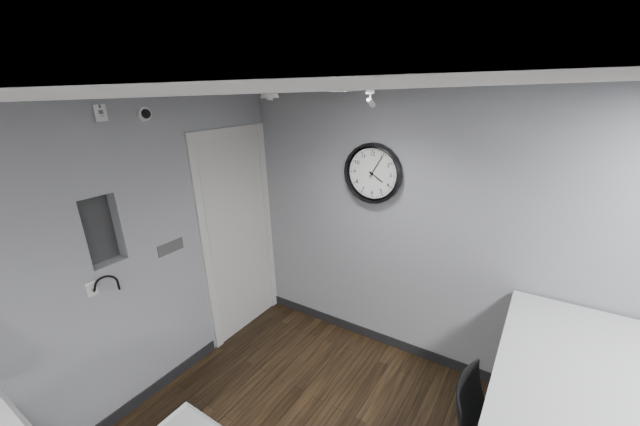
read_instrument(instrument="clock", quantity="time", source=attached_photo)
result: 4:05
